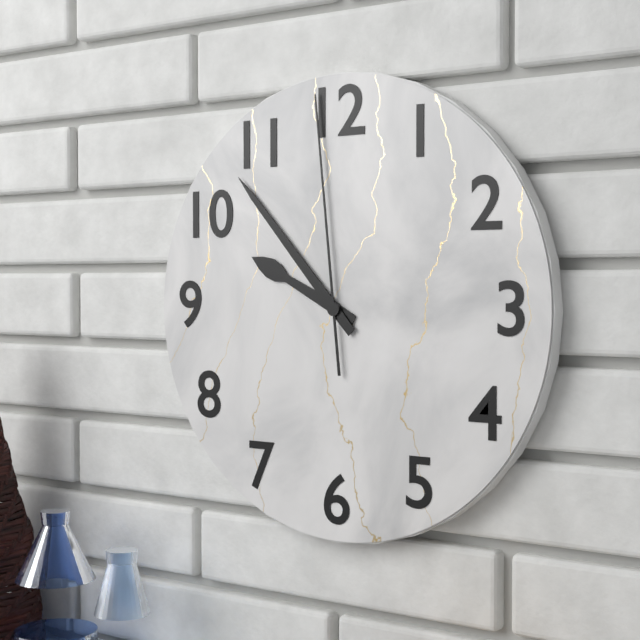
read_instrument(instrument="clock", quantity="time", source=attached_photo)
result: 9:53:59
